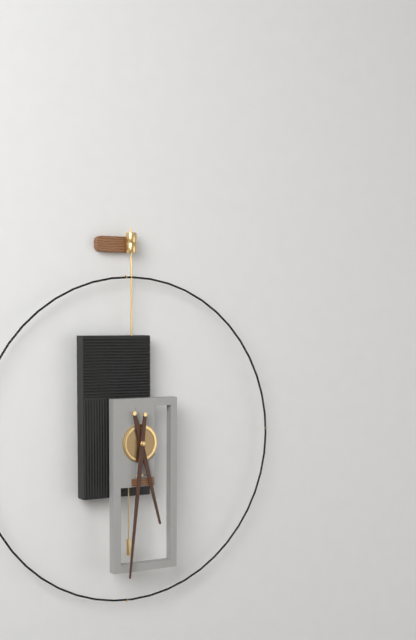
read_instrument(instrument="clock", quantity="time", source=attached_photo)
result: 5:31
